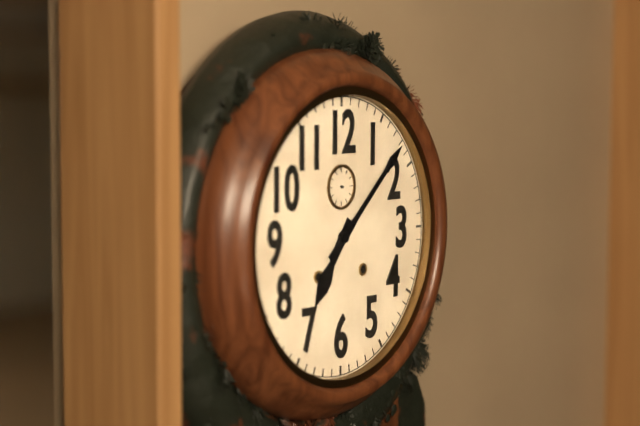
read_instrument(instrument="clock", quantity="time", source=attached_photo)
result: 7:08
